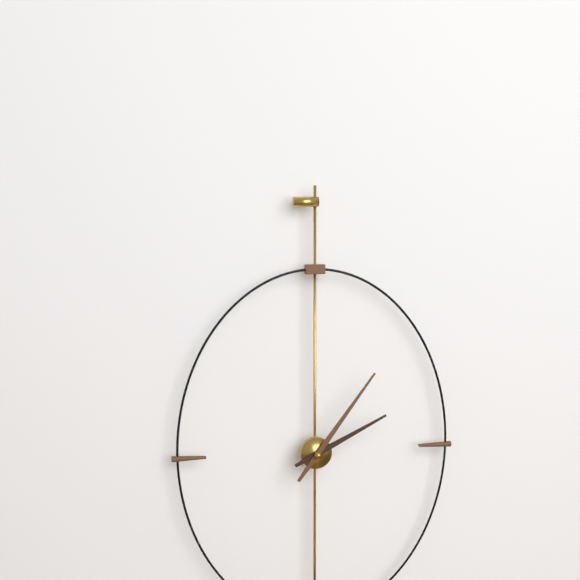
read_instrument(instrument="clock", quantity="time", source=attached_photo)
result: 2:06
